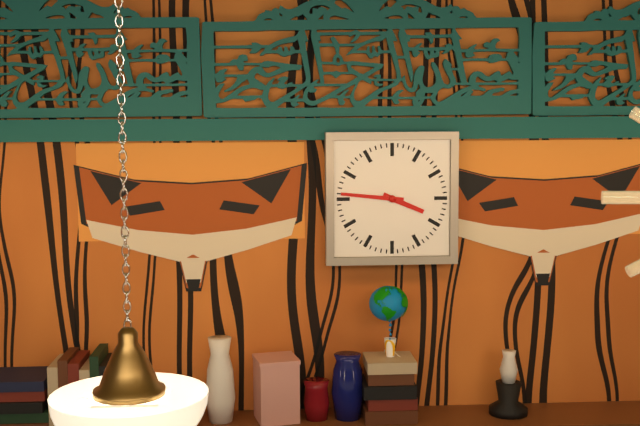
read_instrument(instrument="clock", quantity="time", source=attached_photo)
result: 3:46
